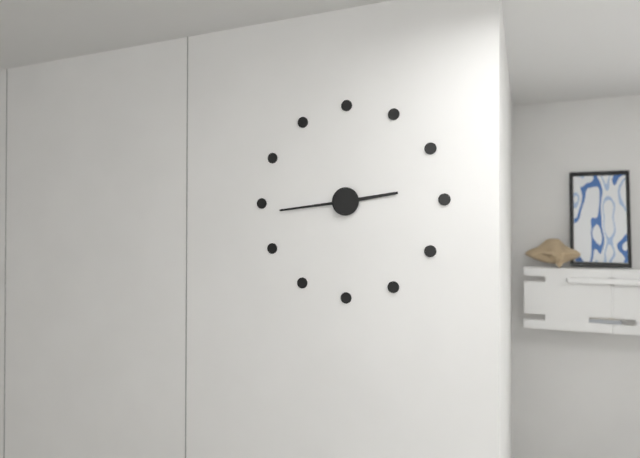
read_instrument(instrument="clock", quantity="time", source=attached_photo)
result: 2:44
